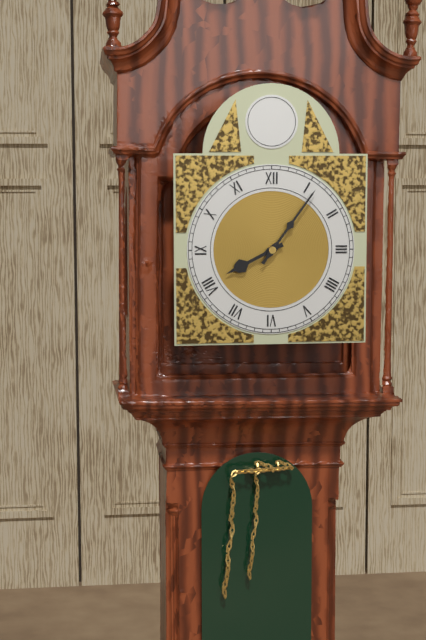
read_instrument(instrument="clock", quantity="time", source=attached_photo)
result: 8:06
